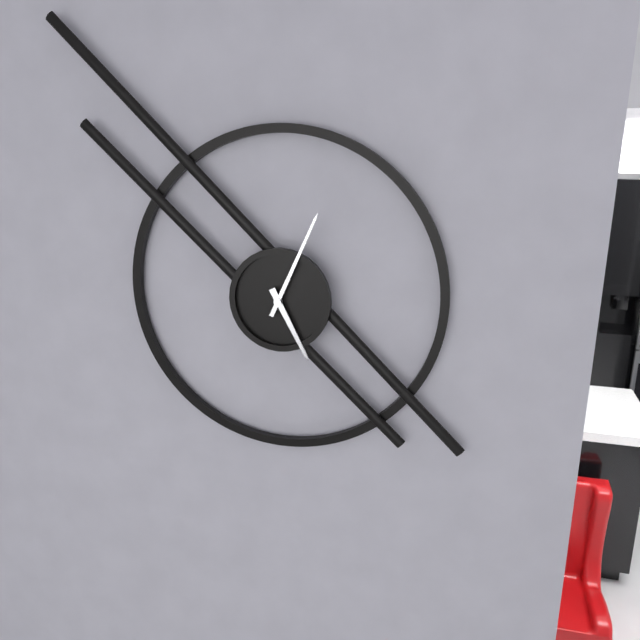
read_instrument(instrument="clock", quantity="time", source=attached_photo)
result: 5:04
